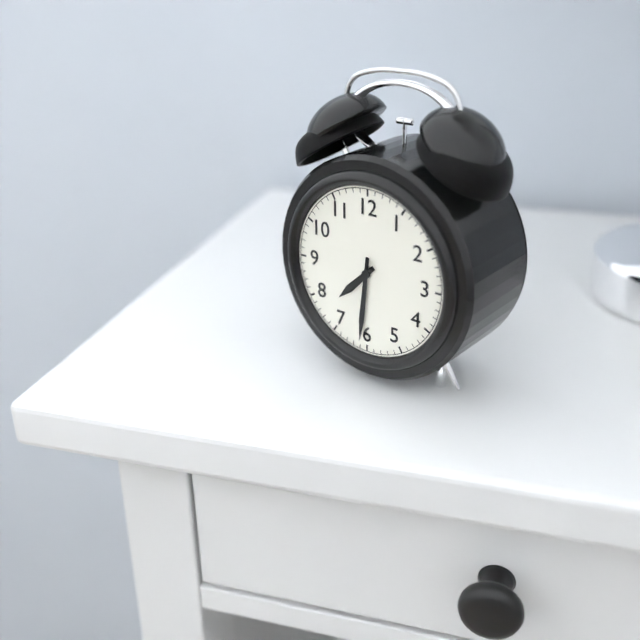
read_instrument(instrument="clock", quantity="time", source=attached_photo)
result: 7:31
